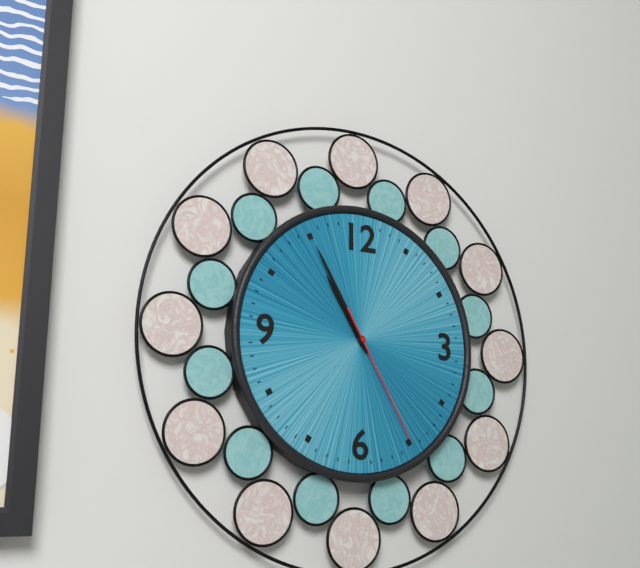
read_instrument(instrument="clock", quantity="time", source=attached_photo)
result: 10:55:25
